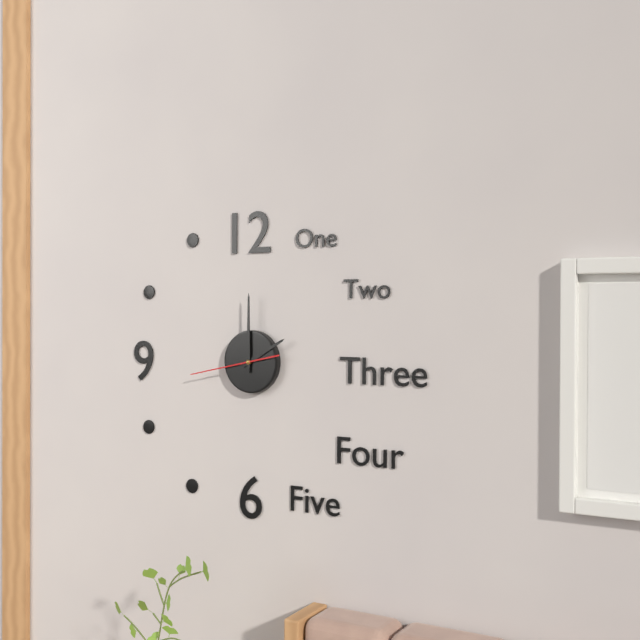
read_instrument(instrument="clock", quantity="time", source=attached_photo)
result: 2:00:43
